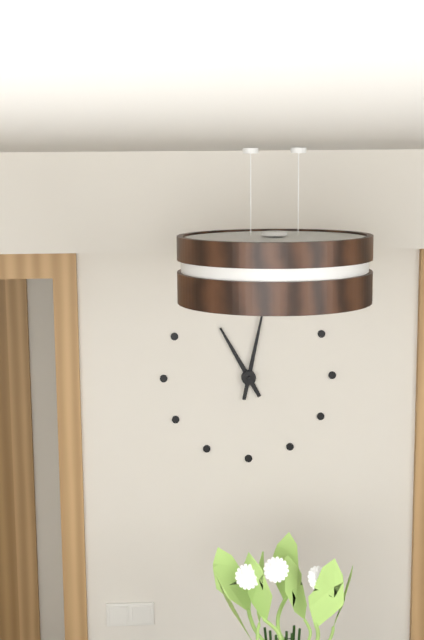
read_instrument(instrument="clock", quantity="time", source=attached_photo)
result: 11:02
